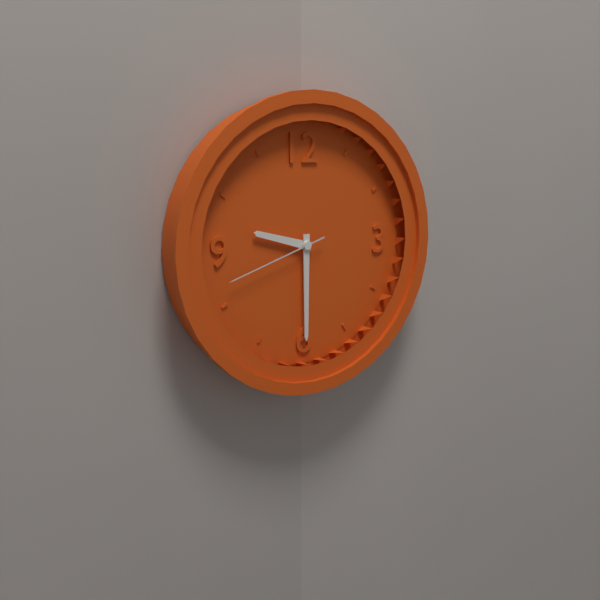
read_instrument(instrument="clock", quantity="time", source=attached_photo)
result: 9:30:42
